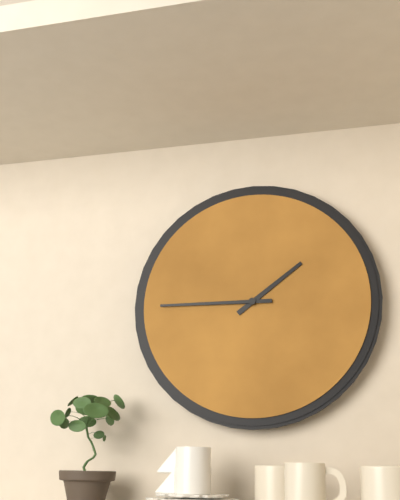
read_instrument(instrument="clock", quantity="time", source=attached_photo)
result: 1:45
